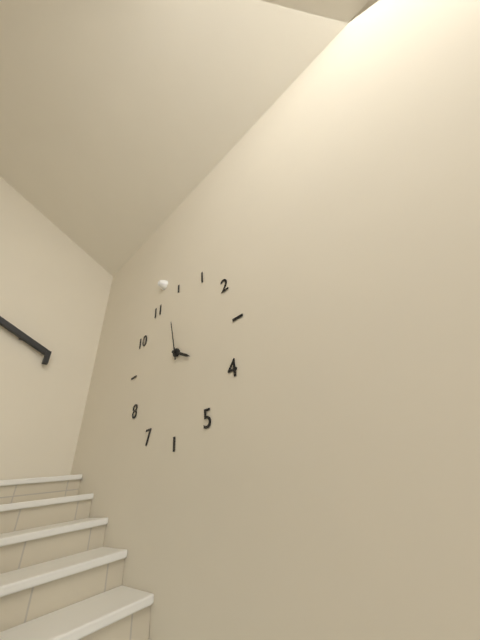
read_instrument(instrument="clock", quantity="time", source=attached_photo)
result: 3:58
